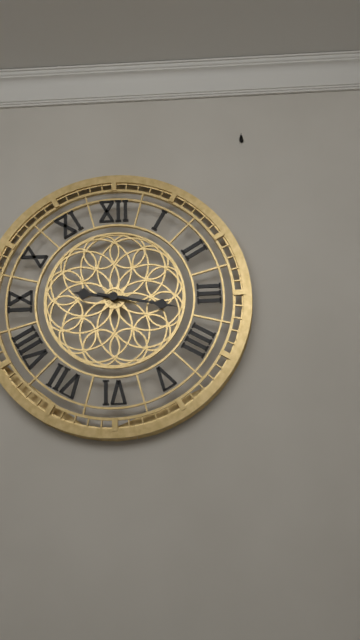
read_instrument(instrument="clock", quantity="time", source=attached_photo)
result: 9:17
